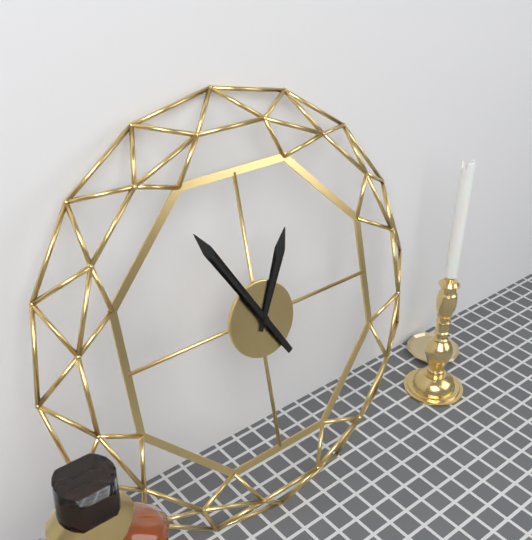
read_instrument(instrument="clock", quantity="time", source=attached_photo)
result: 12:55
